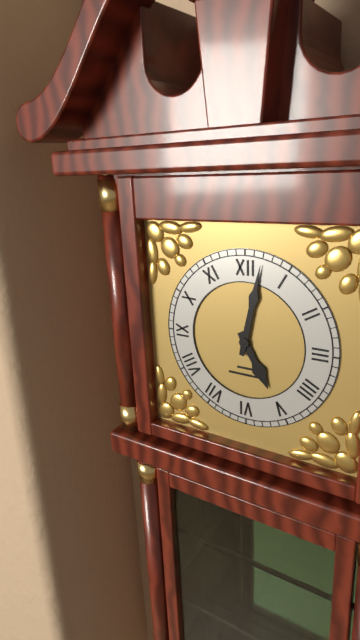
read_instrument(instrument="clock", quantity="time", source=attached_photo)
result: 5:02
